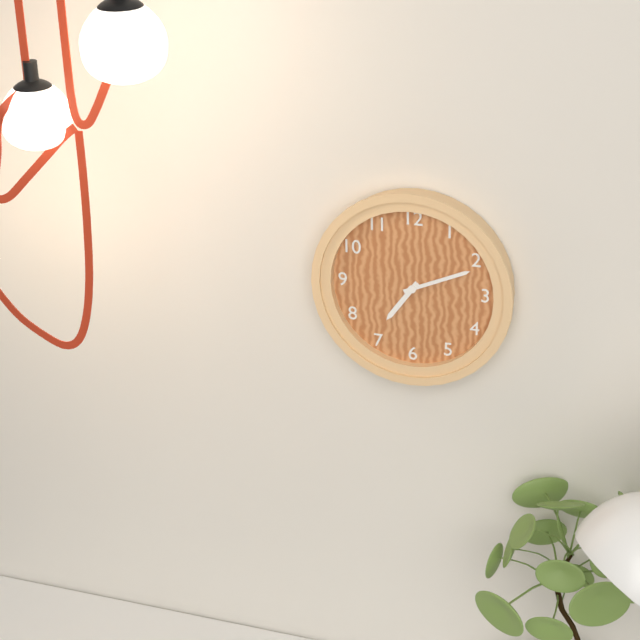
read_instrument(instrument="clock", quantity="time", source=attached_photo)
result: 7:11
